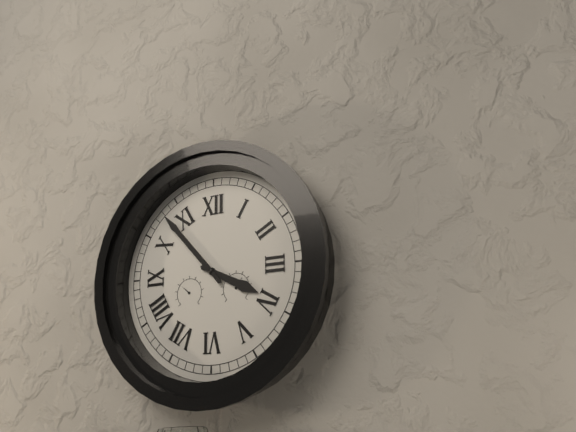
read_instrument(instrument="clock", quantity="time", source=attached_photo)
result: 3:53
